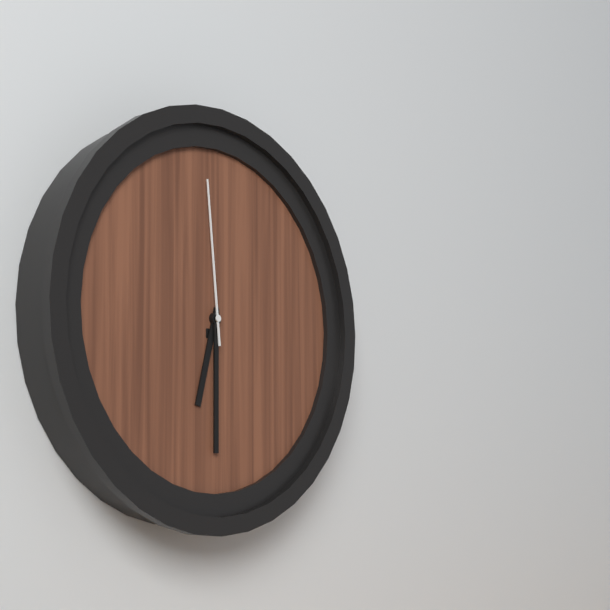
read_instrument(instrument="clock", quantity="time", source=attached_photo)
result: 6:30:59
